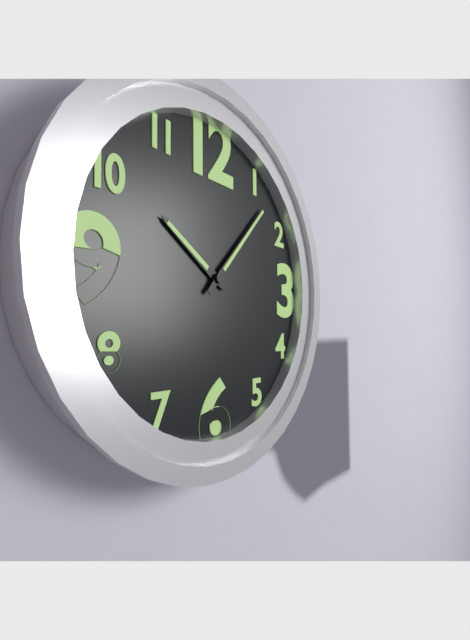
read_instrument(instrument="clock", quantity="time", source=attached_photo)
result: 10:07
